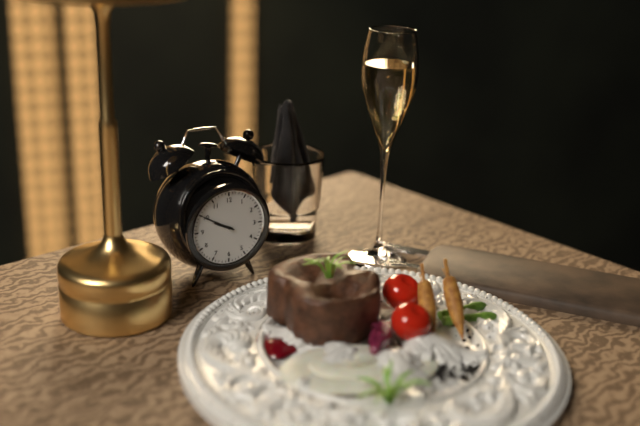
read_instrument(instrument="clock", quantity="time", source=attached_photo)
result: 9:50
